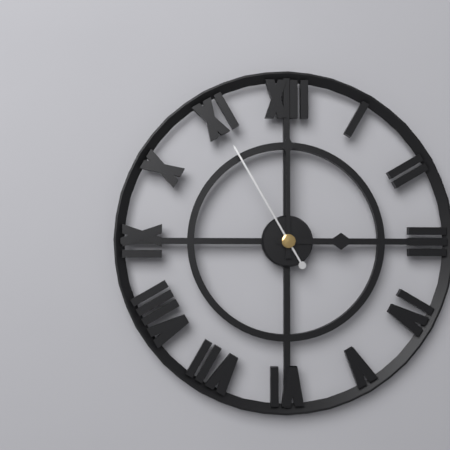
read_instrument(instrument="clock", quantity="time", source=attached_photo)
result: 3:00:55
